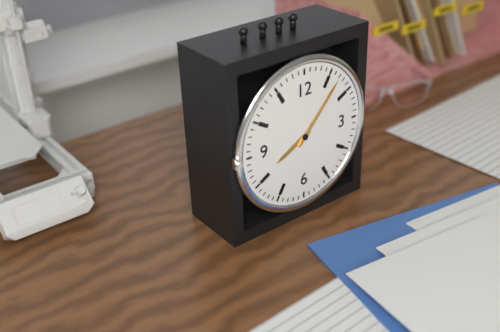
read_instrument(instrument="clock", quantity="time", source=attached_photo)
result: 8:07
